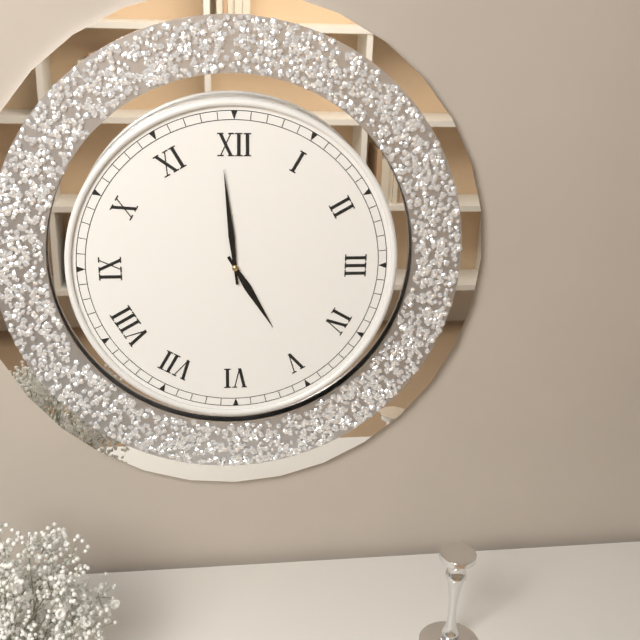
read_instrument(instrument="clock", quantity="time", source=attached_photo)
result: 4:59
